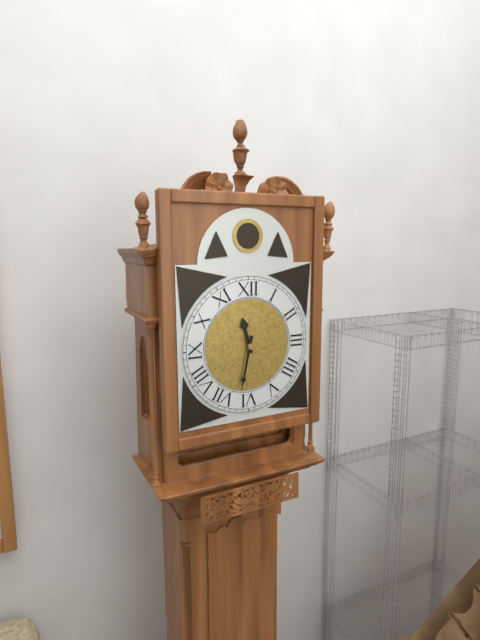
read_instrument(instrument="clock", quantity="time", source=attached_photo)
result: 11:32
